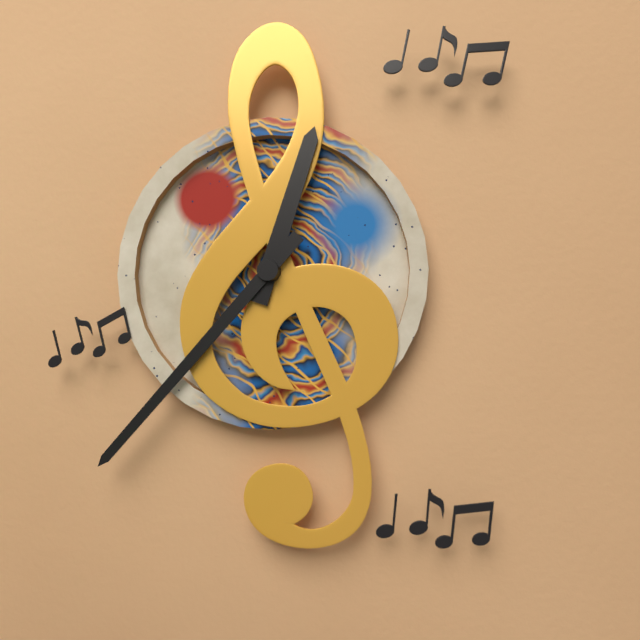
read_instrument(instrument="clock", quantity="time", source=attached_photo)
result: 12:37
